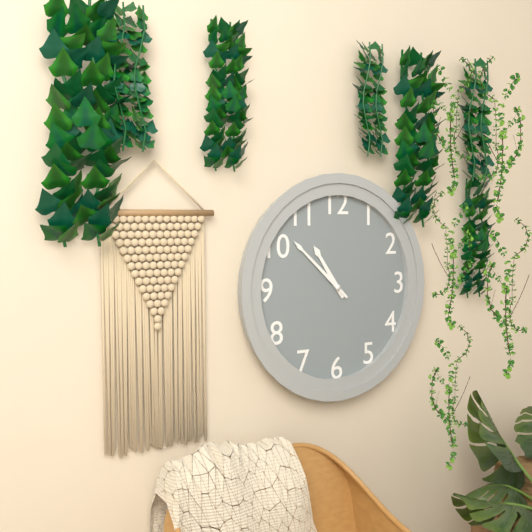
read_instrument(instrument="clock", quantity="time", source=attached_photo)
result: 10:52
